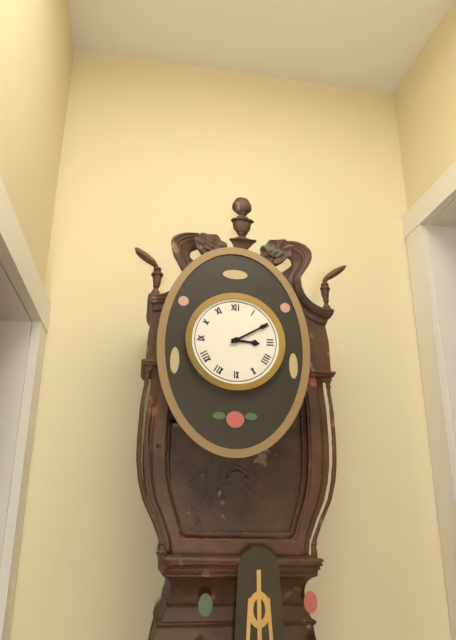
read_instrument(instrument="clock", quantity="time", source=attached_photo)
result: 3:10
